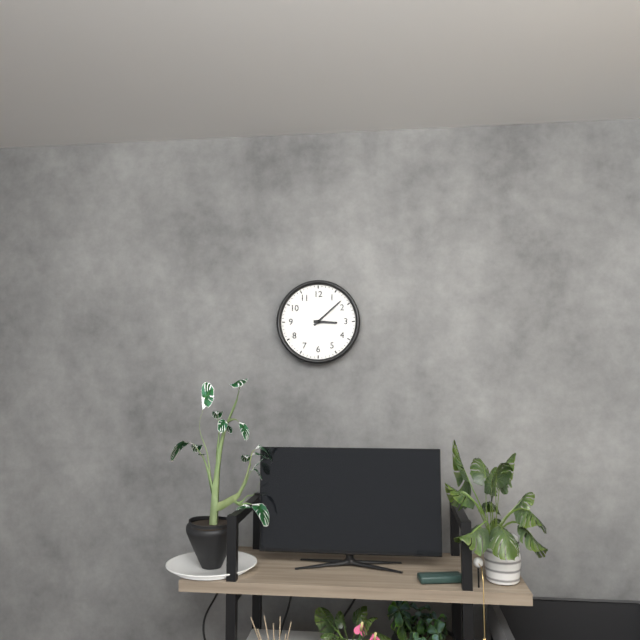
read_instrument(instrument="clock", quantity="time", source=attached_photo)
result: 3:08
